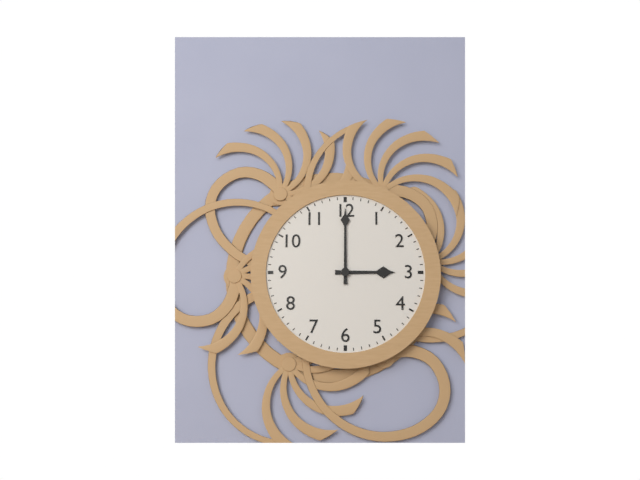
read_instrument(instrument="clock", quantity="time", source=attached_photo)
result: 3:00
